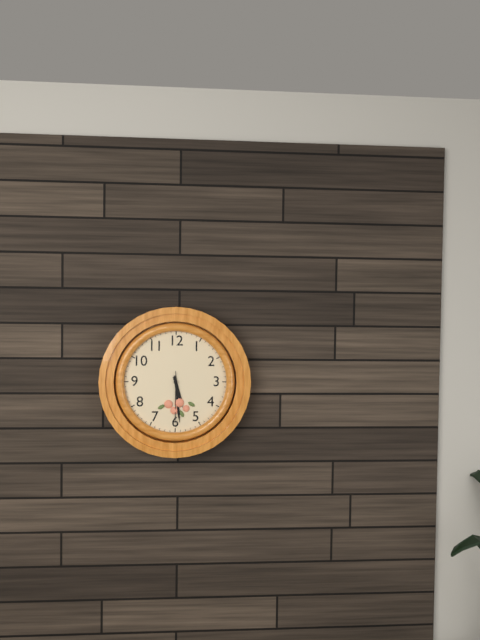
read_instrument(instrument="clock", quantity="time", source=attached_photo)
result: 5:29:30
